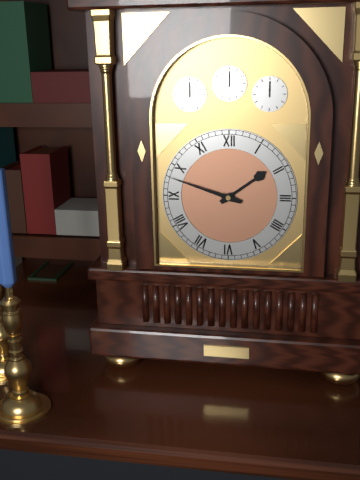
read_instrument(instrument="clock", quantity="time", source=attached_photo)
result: 1:48
